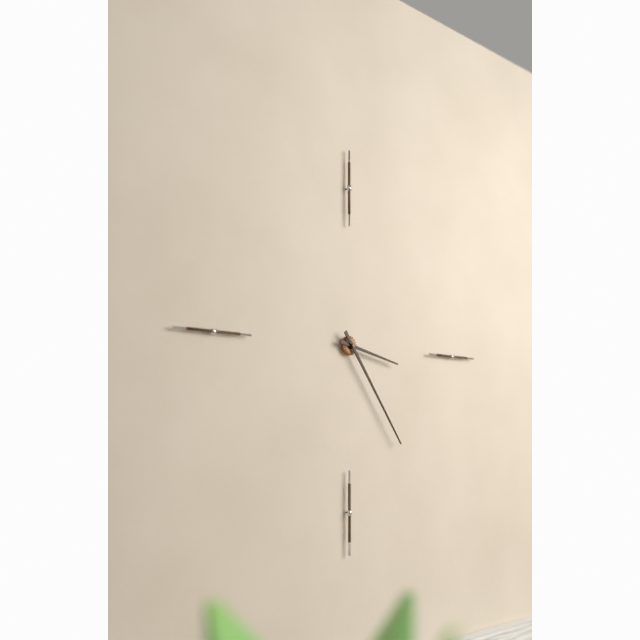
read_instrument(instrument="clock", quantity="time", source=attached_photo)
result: 3:24
